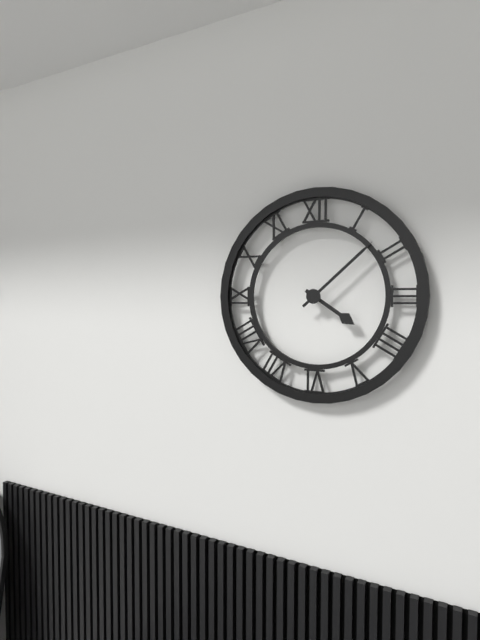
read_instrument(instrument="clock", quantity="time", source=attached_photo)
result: 4:08
